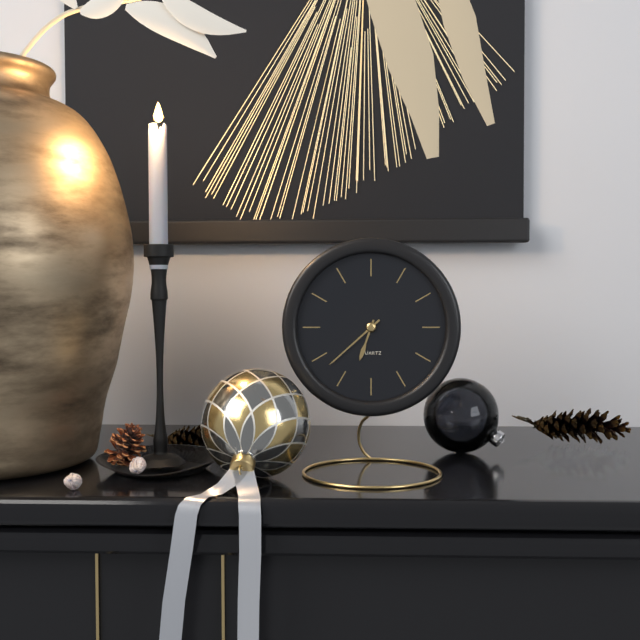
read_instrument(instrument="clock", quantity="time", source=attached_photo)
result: 6:38
